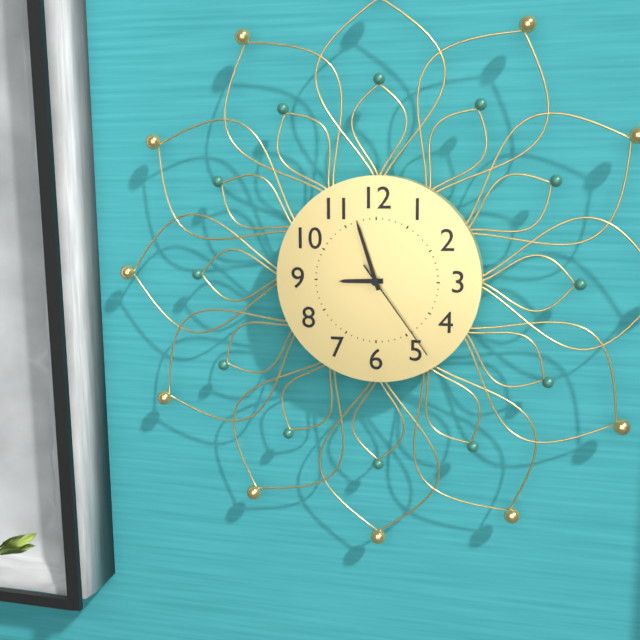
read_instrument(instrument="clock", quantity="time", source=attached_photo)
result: 8:57:24
